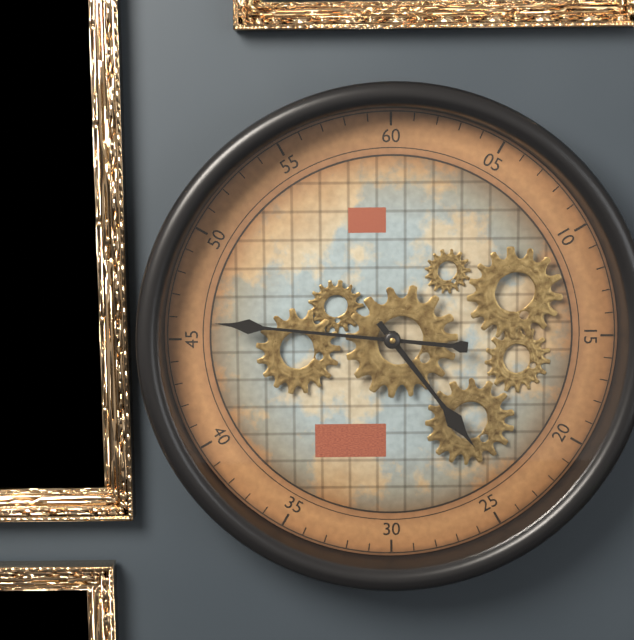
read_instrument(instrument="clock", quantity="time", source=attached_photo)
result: 4:46
